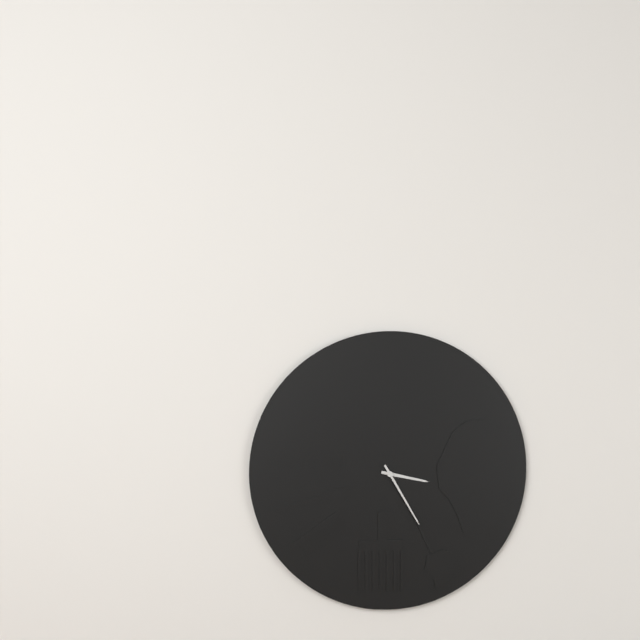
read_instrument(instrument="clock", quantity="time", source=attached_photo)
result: 3:25
